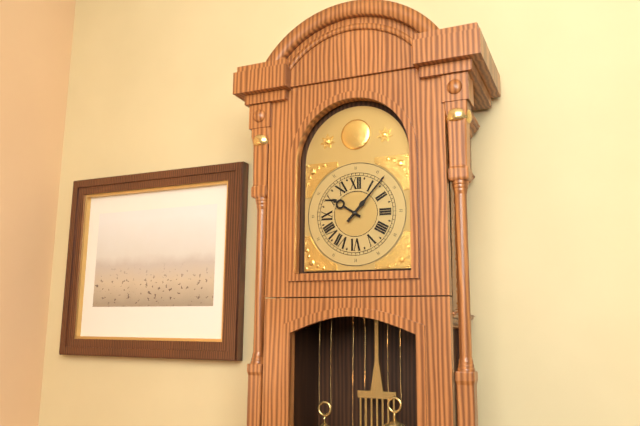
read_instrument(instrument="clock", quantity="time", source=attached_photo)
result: 10:07
